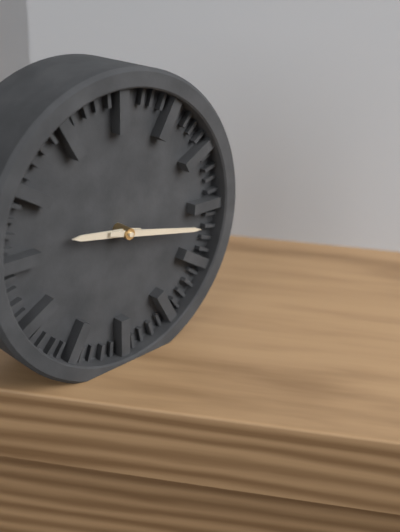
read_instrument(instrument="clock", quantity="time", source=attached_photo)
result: 9:17
